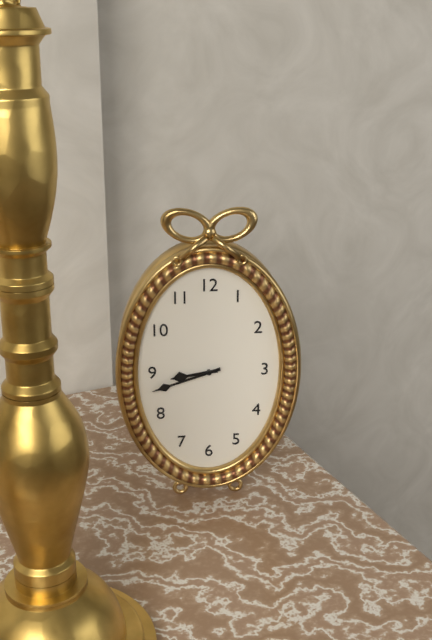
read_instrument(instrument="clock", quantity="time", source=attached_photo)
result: 8:42
